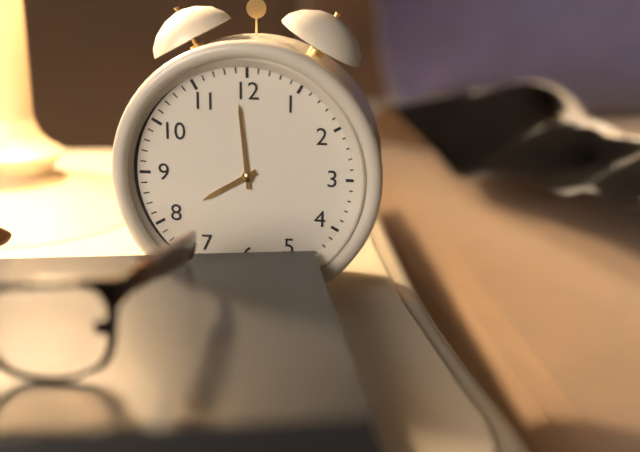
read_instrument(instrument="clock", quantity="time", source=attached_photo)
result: 7:59
